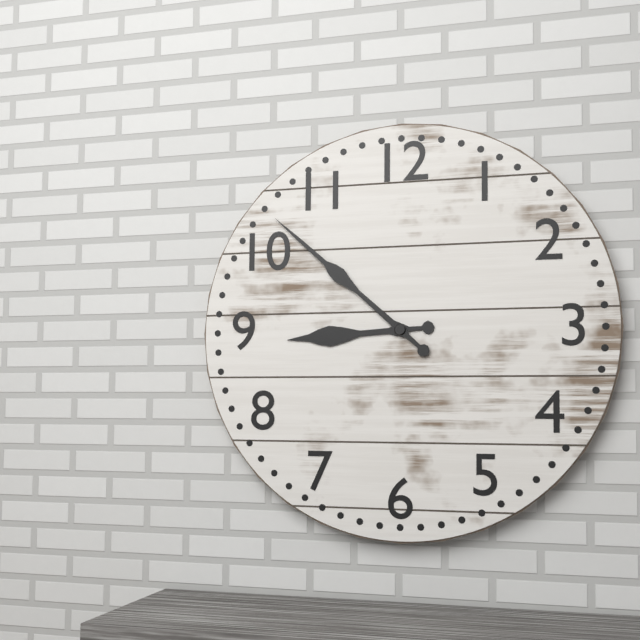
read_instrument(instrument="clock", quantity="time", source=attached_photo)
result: 8:52
